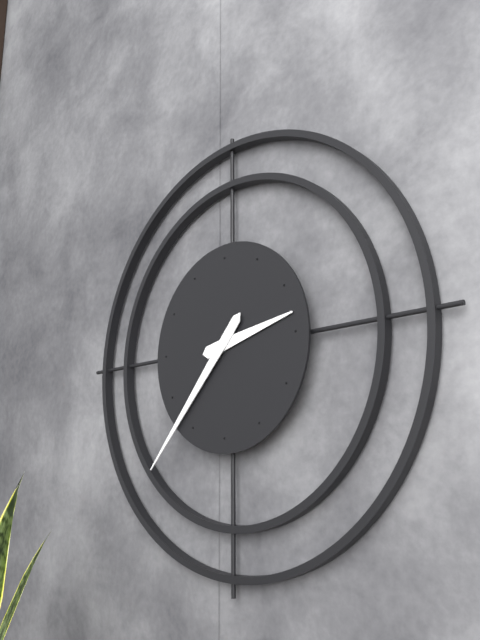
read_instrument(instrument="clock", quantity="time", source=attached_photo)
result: 2:37
